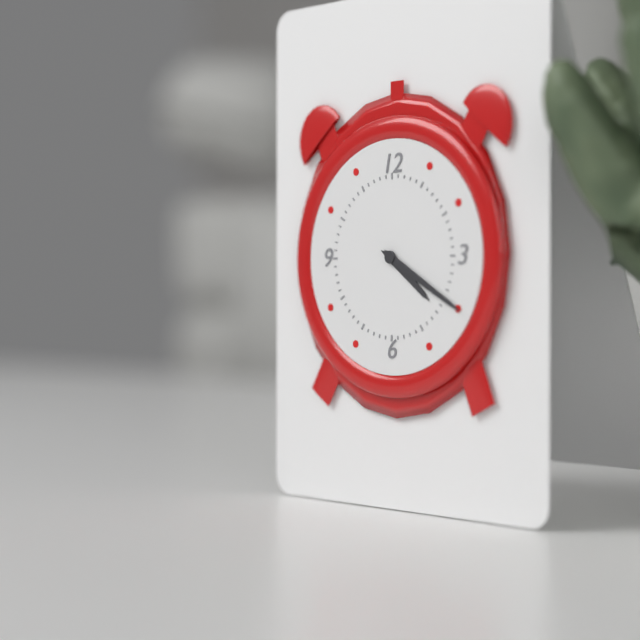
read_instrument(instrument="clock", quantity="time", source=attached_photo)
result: 4:20
